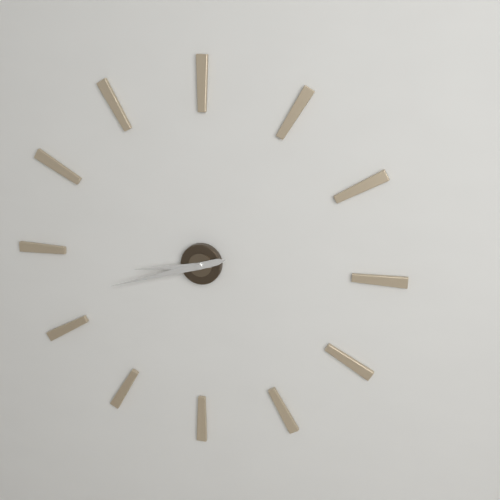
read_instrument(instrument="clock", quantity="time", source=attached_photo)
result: 8:42
